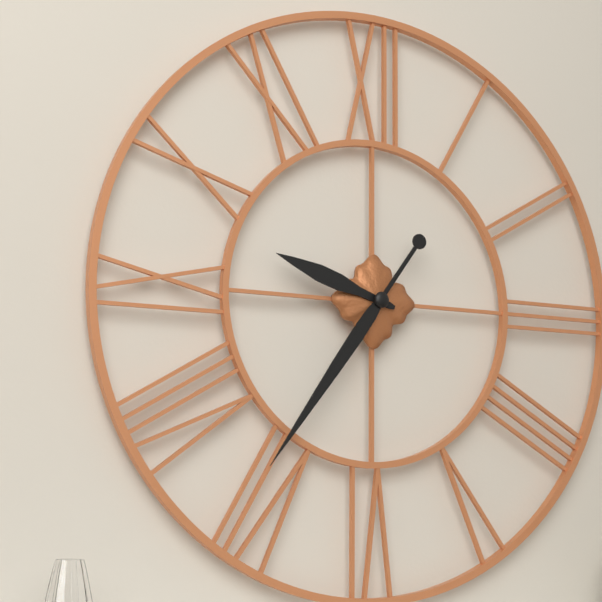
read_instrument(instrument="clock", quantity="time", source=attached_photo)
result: 9:36
